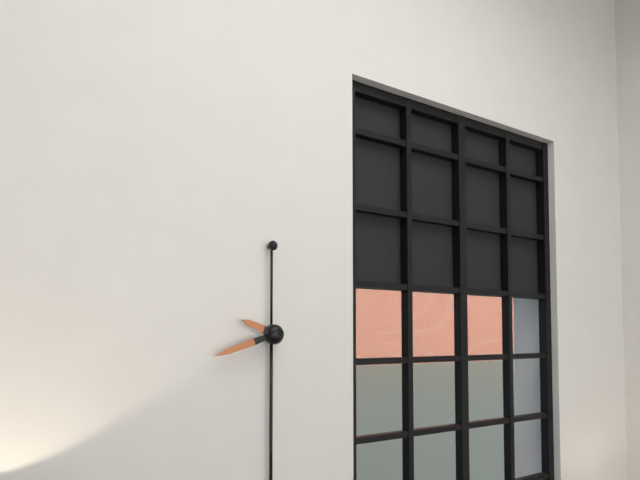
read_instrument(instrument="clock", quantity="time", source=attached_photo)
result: 9:42
